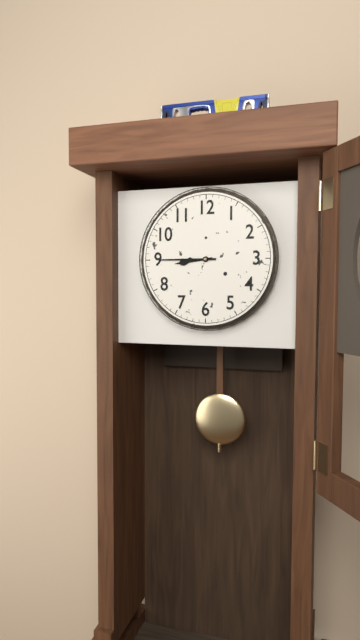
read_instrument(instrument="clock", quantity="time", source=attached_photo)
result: 8:45
